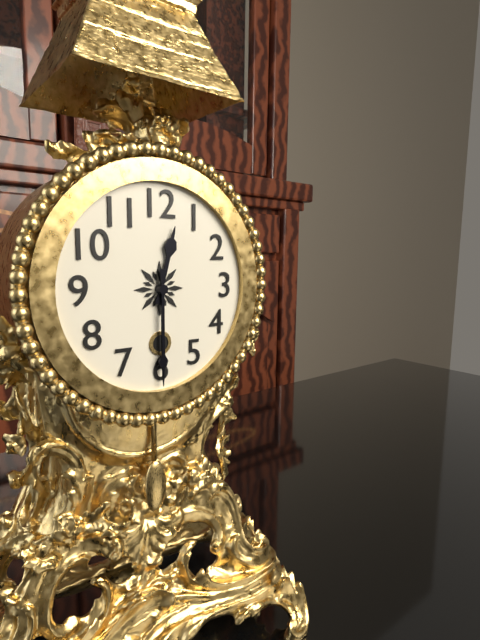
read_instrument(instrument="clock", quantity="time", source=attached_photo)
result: 12:30
